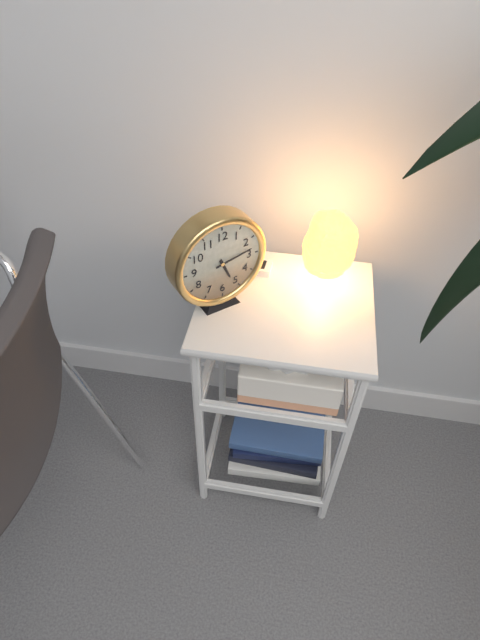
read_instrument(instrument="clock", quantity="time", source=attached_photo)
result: 5:13
